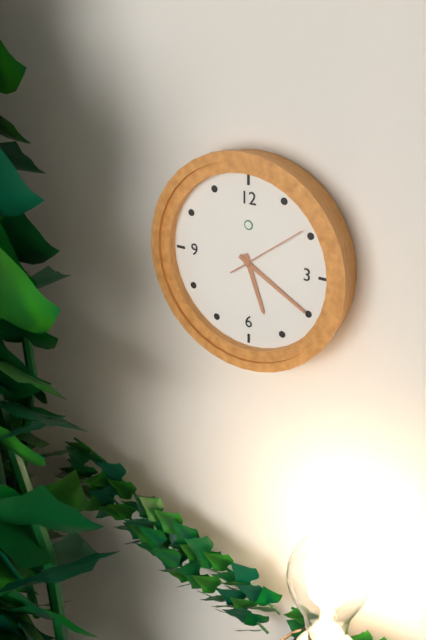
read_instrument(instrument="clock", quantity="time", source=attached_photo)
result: 5:20:09
